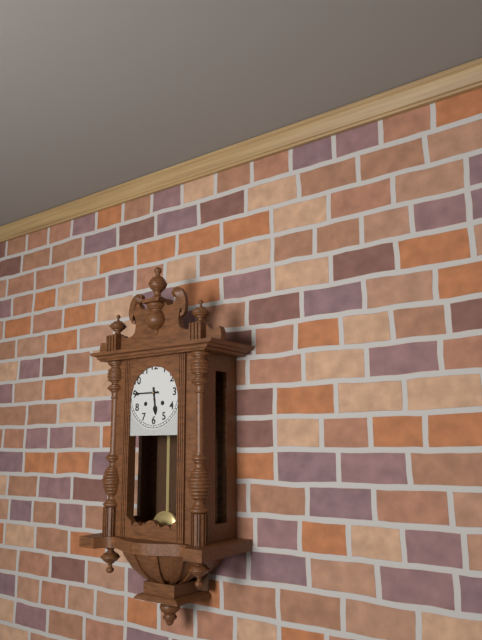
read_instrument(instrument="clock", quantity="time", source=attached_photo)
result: 5:45
